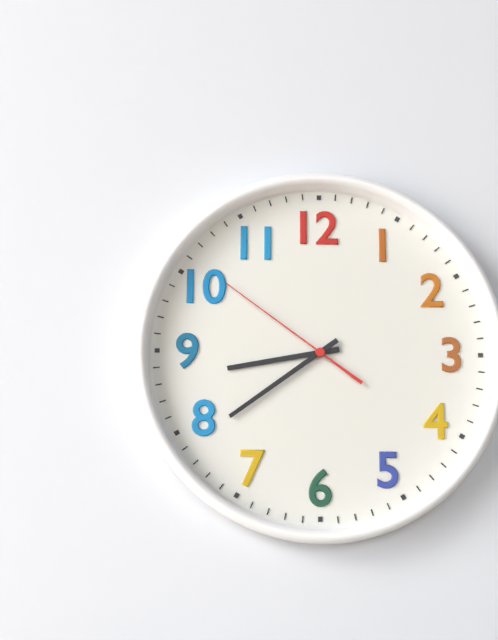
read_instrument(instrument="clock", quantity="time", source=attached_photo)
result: 8:39:51
